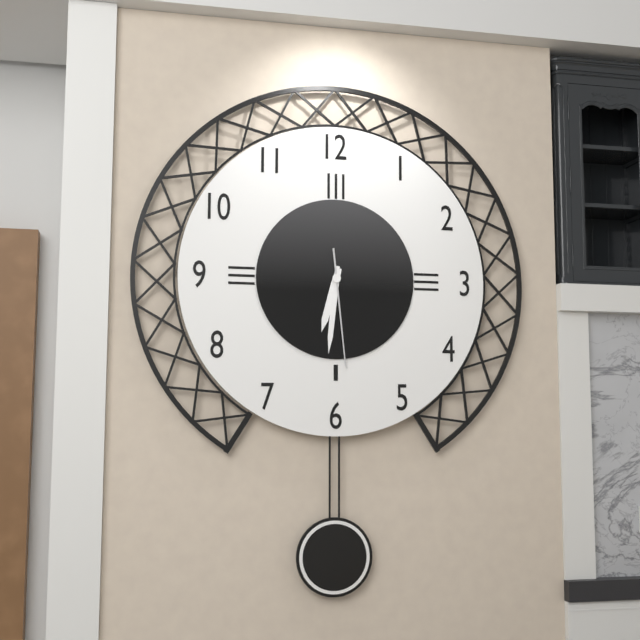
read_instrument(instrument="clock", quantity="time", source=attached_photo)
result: 6:31:29
